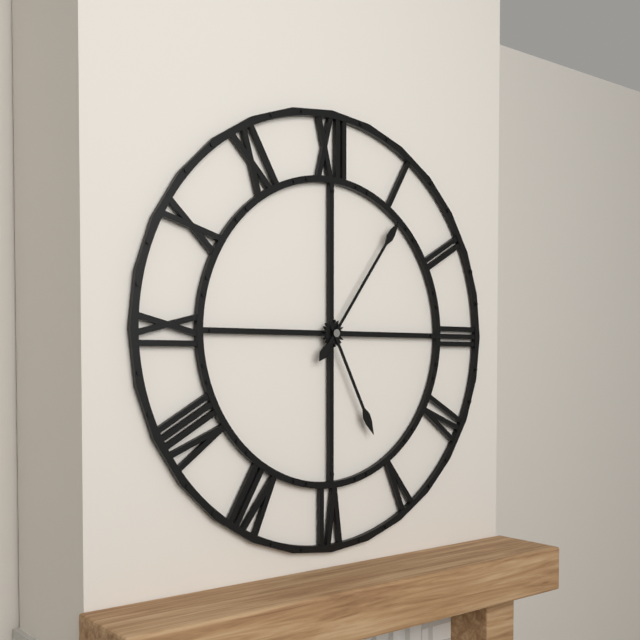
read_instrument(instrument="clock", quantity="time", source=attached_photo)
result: 5:06
